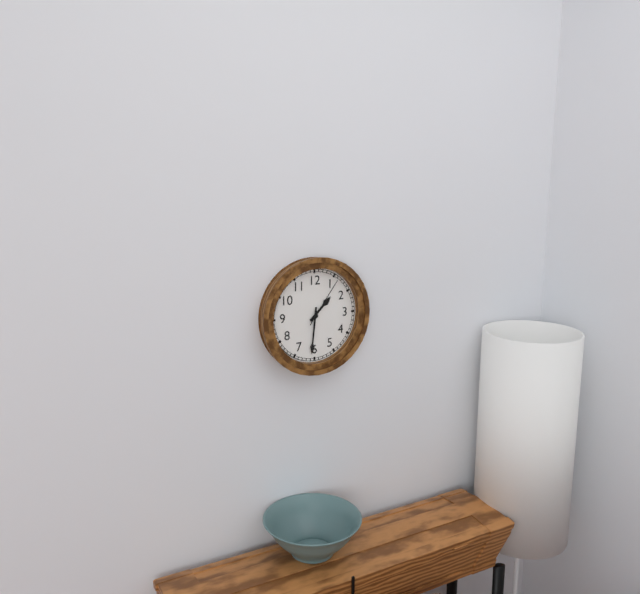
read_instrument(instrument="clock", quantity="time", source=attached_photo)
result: 1:31:06
